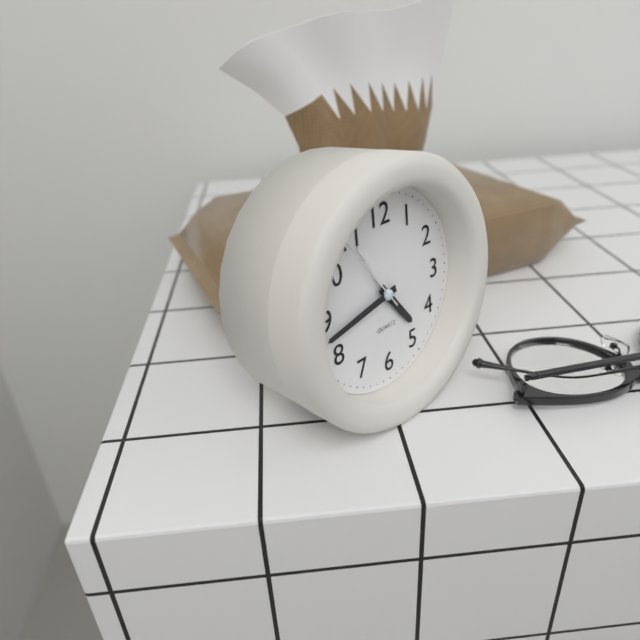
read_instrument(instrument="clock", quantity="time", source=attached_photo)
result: 4:43:54
